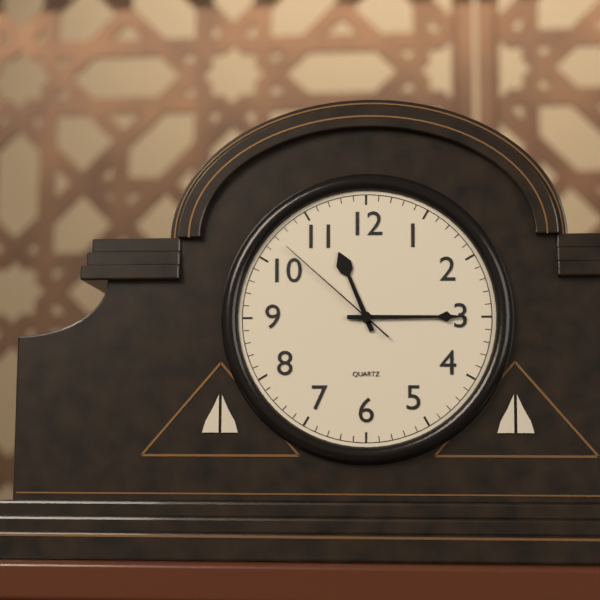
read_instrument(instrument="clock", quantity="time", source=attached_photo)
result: 11:15:52
